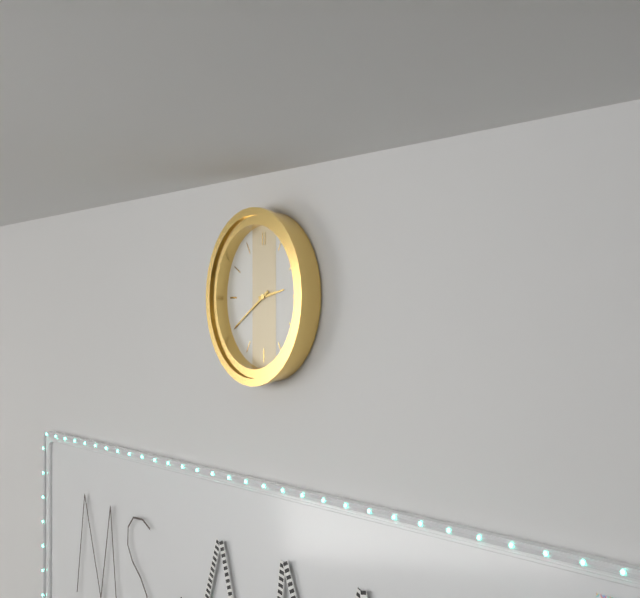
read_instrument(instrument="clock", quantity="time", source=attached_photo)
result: 2:40
